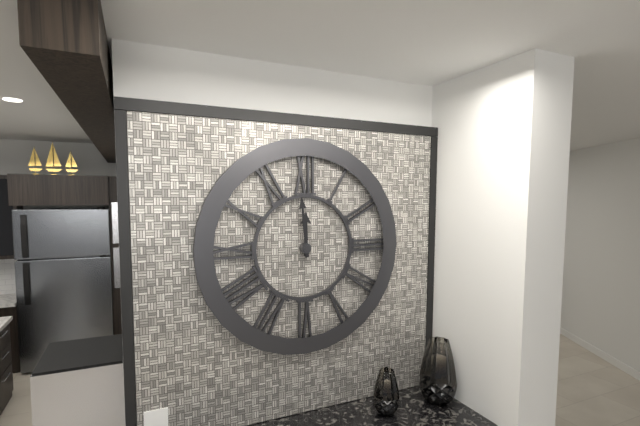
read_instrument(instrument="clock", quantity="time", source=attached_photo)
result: 11:59
